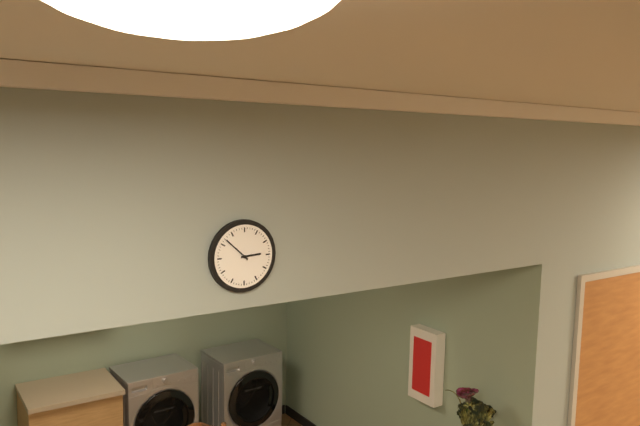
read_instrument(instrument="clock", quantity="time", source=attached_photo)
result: 2:52
